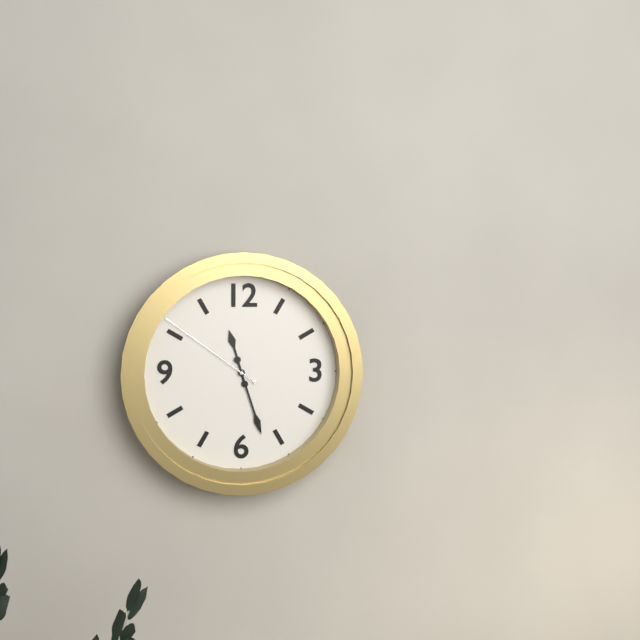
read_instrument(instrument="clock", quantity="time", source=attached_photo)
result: 11:27:51
